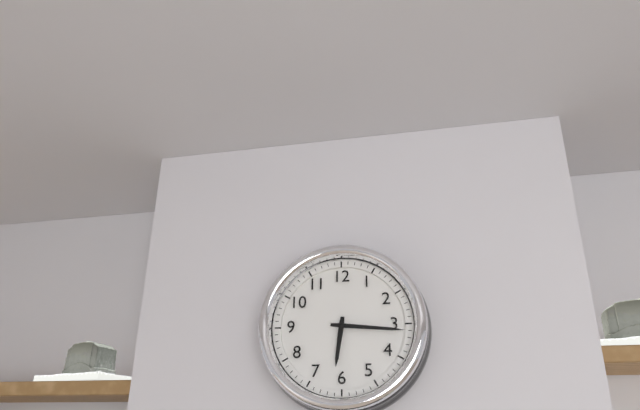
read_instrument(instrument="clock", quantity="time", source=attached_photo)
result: 6:16
